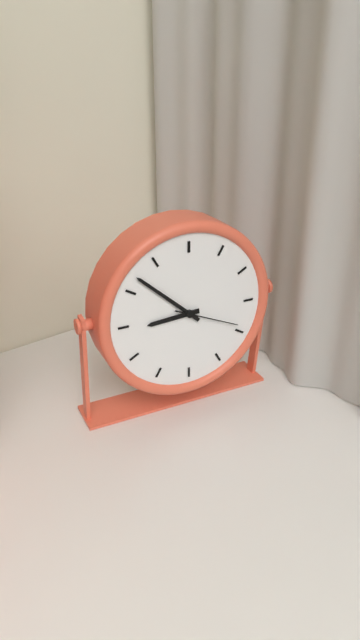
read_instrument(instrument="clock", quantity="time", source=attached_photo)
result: 8:52:19
